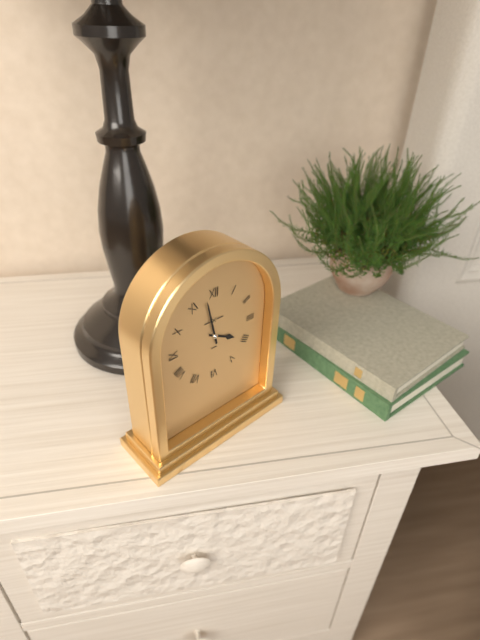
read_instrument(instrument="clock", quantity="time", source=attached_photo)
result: 3:58
